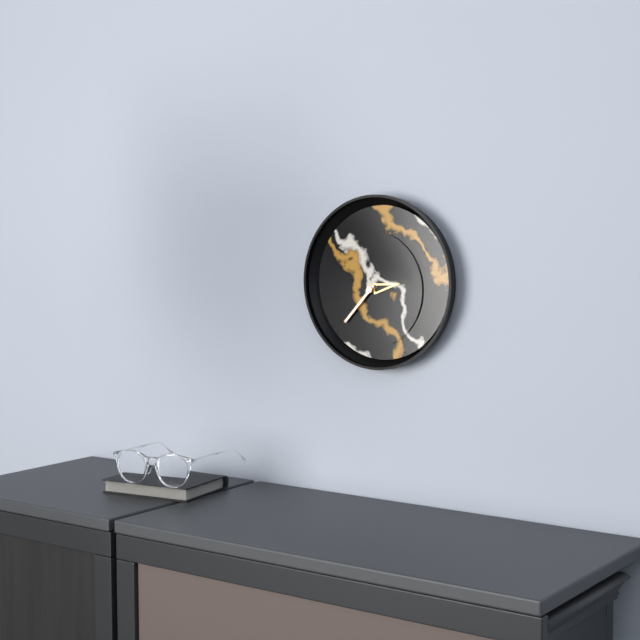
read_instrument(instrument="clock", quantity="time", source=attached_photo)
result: 2:37
